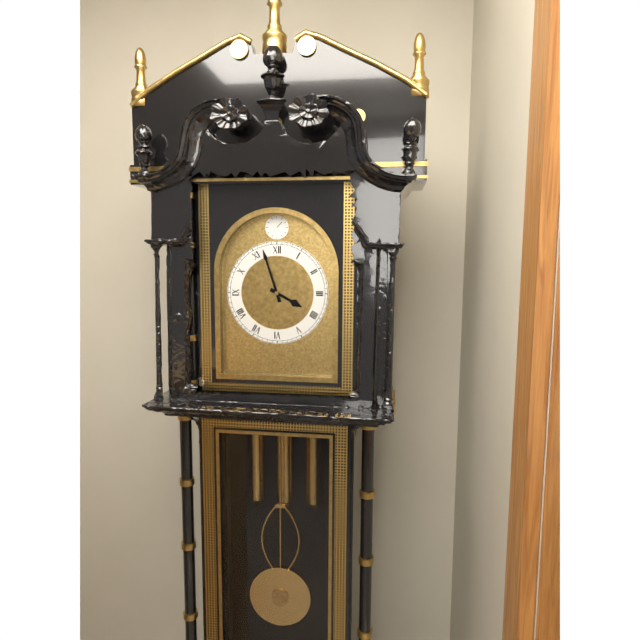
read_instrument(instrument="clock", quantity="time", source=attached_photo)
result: 3:57
